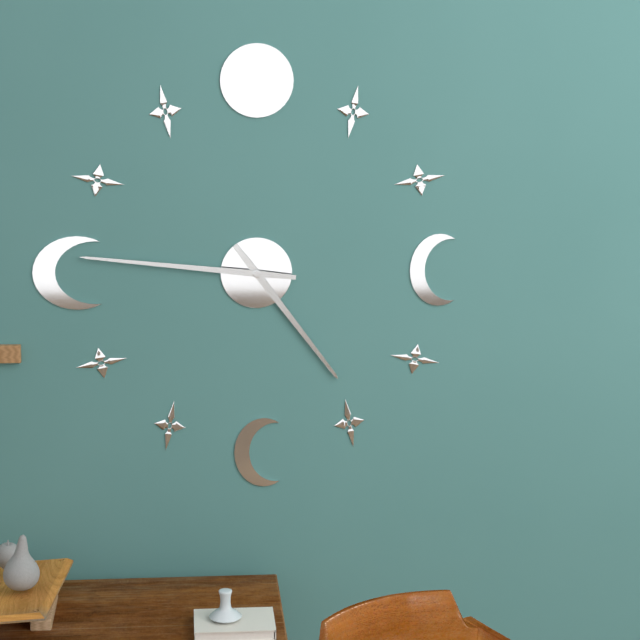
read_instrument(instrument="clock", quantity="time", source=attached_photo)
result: 4:46
